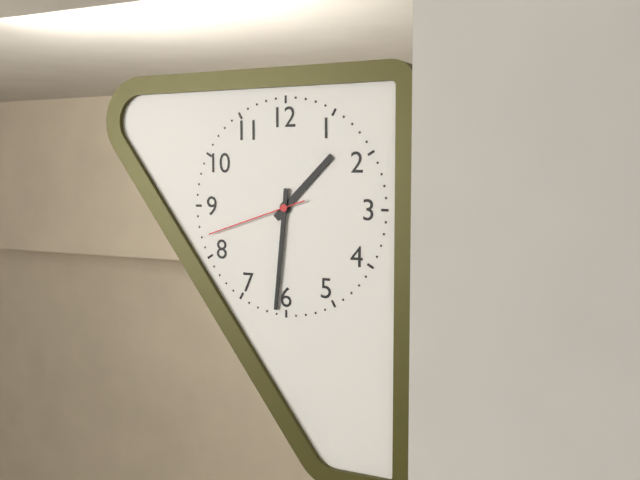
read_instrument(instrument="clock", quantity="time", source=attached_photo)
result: 1:31:42
